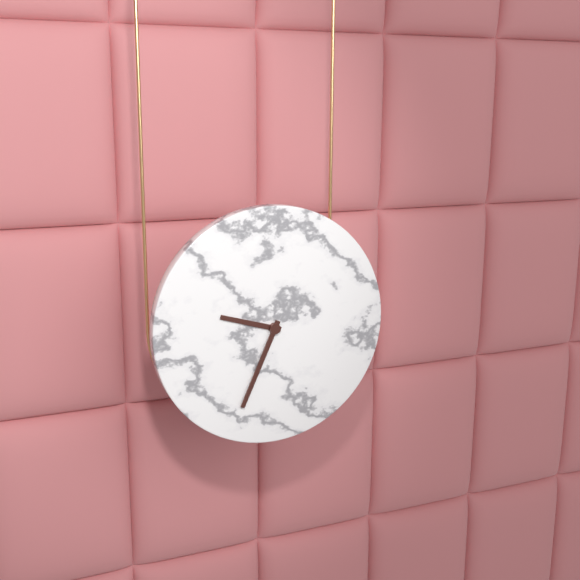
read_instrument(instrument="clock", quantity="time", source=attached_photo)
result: 9:34
